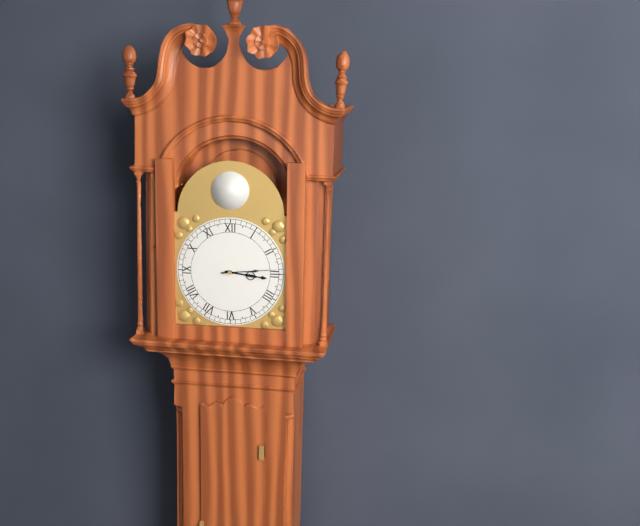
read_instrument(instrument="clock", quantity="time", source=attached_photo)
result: 3:14
